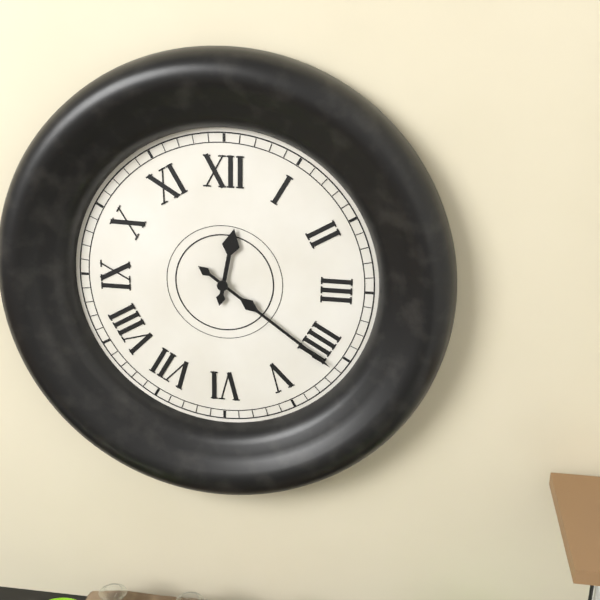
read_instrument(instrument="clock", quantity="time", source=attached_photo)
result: 12:21
